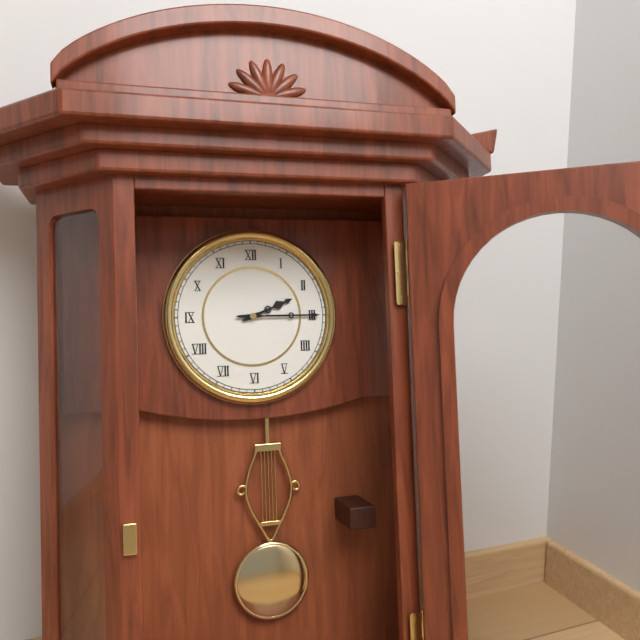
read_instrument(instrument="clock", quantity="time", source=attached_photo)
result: 2:15
